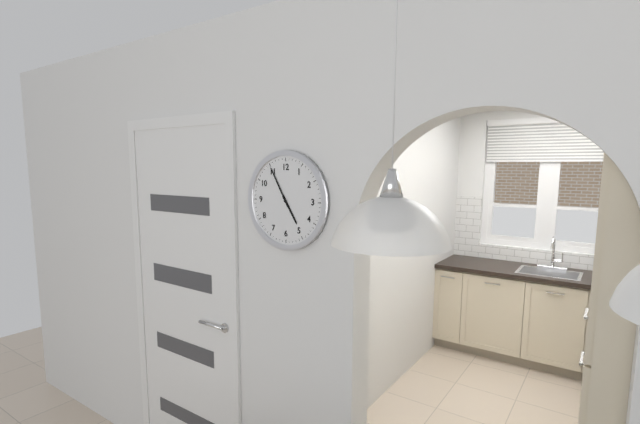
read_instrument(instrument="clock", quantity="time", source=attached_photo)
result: 4:55
